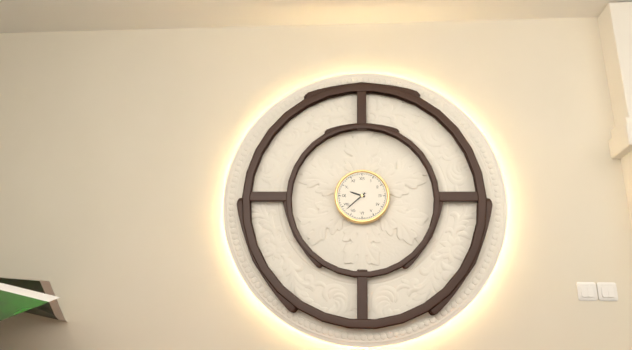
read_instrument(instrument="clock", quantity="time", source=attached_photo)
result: 9:38
